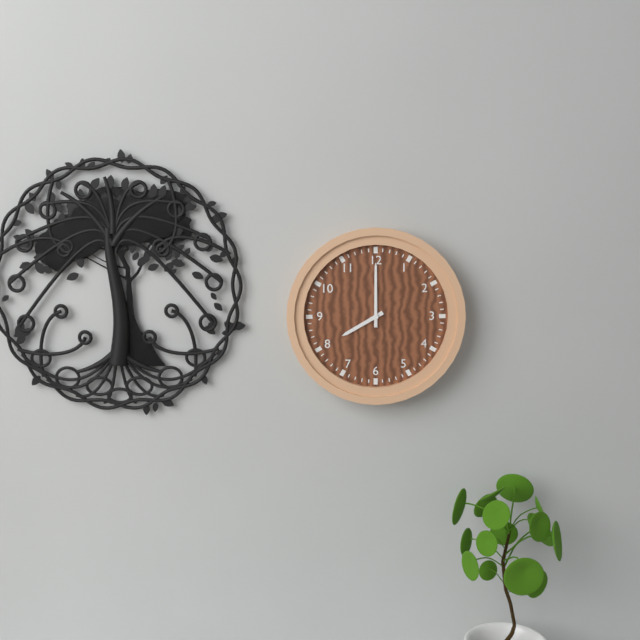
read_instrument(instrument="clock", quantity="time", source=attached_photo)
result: 8:00
